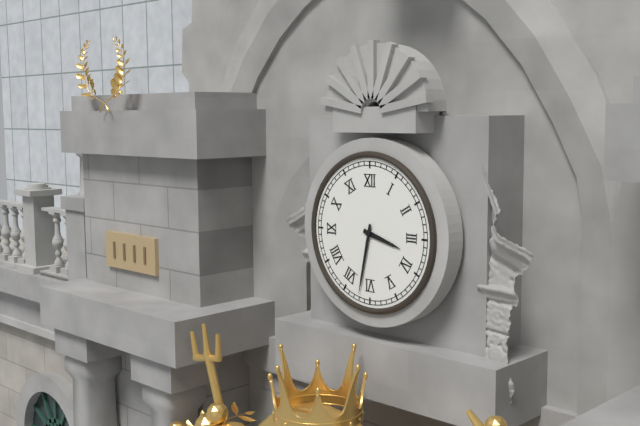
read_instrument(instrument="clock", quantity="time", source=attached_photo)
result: 3:32
